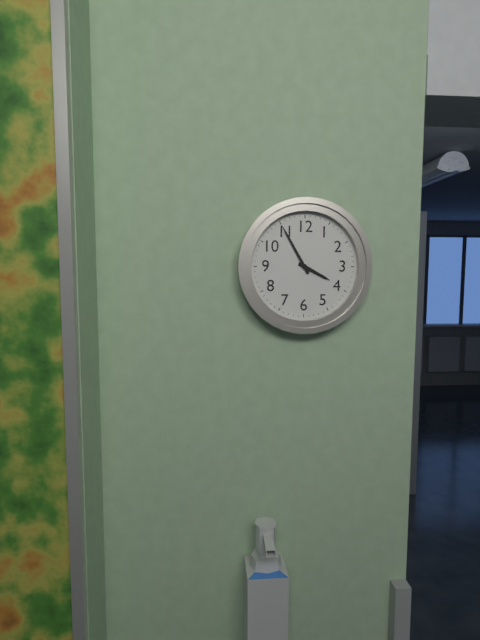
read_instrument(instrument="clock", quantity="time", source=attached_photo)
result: 3:55
